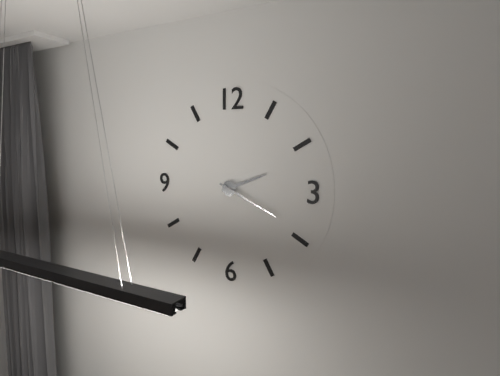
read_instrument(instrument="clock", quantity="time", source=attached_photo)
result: 2:19
